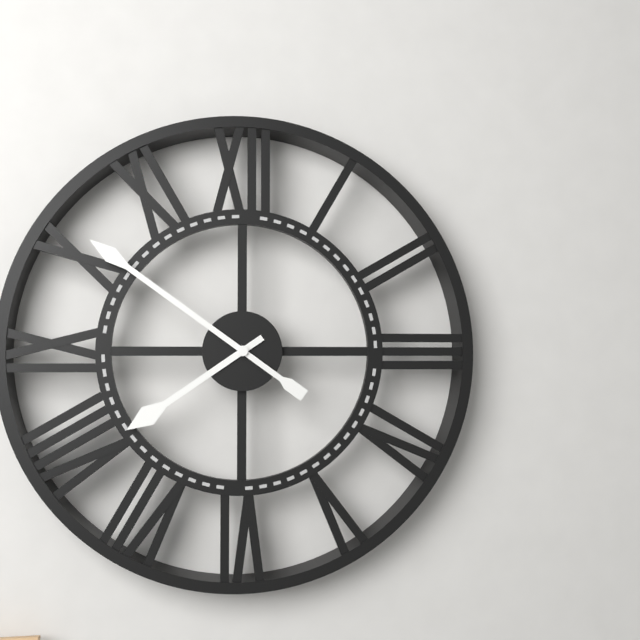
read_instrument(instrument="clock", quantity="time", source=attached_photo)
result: 7:51
